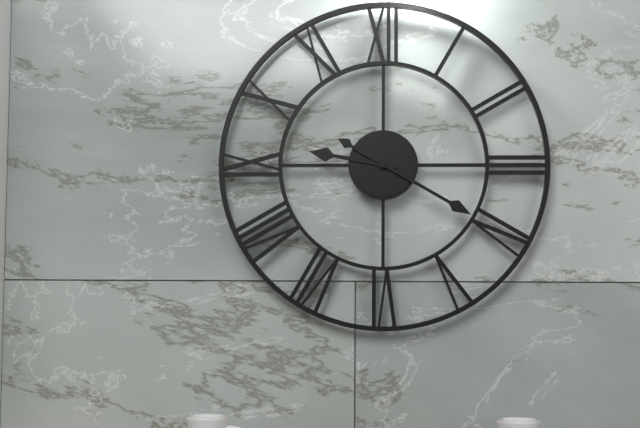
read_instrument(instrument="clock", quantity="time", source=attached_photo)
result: 9:20
